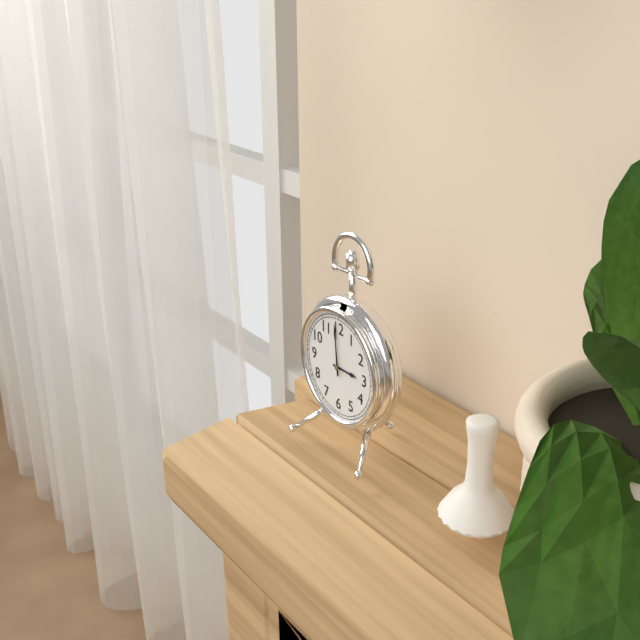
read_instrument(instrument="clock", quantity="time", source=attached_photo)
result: 2:59
